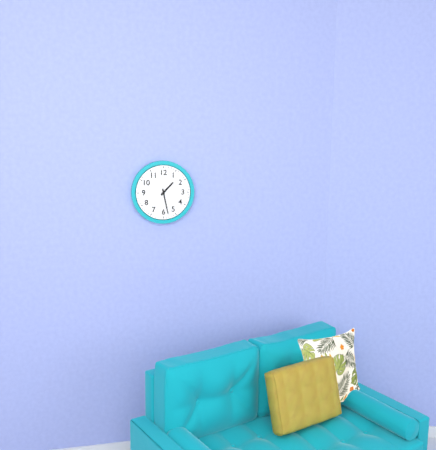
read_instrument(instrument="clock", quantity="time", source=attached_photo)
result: 1:28
